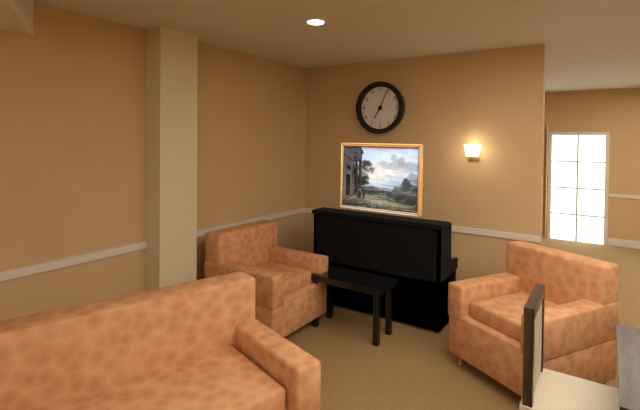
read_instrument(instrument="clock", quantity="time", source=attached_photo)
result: 7:04
